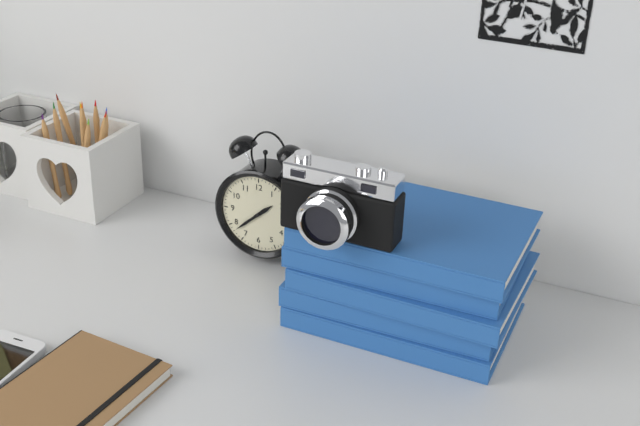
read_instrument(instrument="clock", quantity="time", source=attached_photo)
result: 1:38
